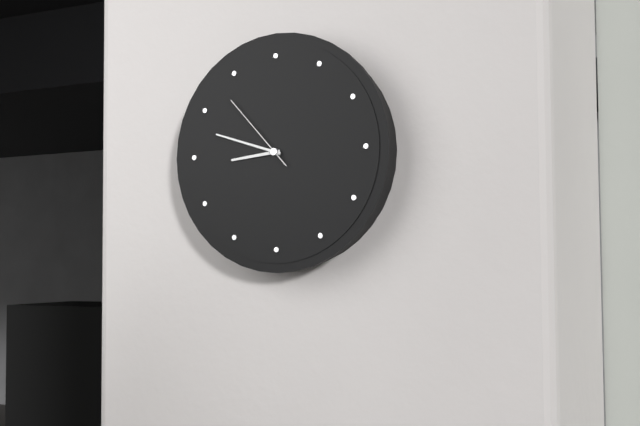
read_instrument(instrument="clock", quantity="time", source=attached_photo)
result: 8:48:53
